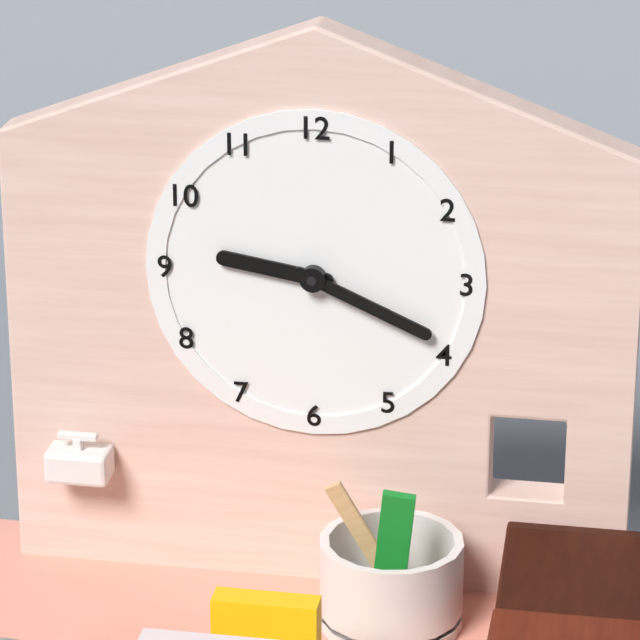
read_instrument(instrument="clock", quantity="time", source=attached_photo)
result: 9:19
